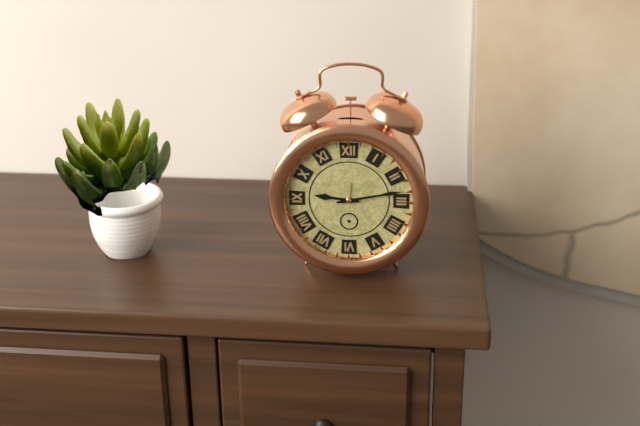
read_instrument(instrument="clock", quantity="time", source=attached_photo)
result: 9:13
